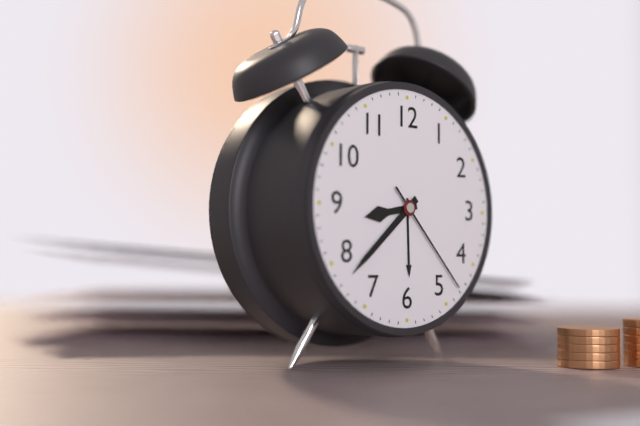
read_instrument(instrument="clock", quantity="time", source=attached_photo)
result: 8:38:23
